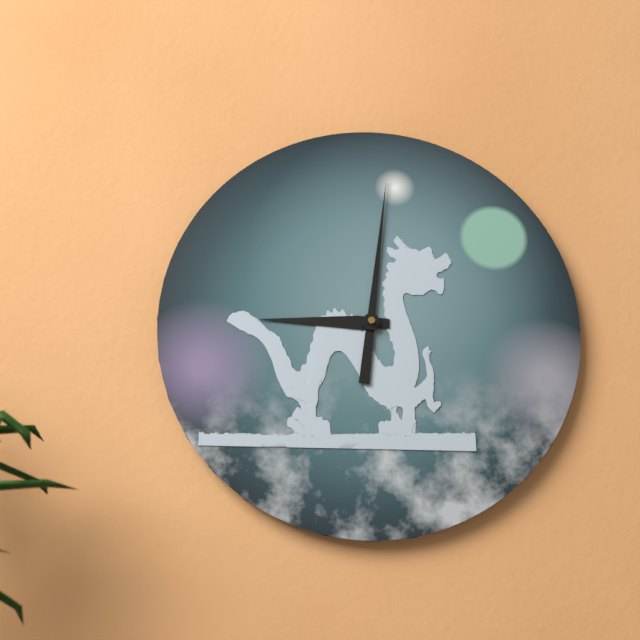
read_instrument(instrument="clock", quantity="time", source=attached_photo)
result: 9:01
